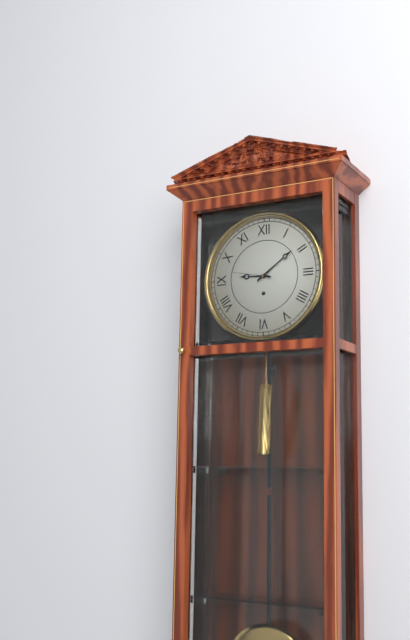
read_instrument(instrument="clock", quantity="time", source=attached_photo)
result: 9:09:47
